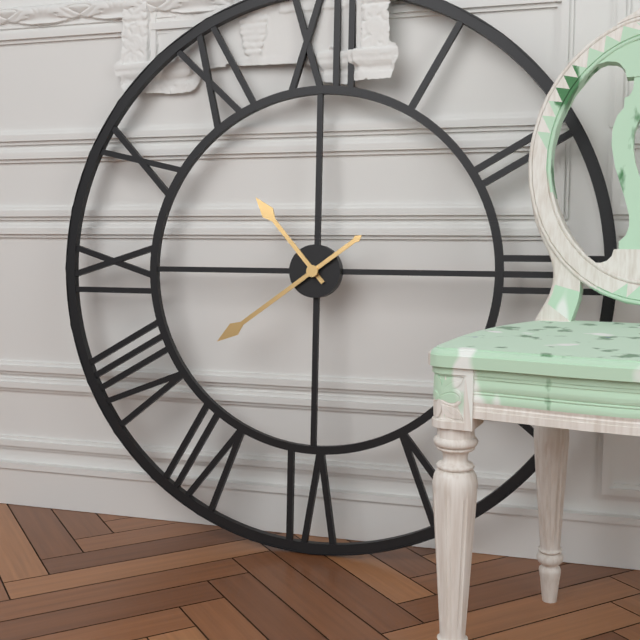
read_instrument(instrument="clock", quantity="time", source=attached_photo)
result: 10:39
